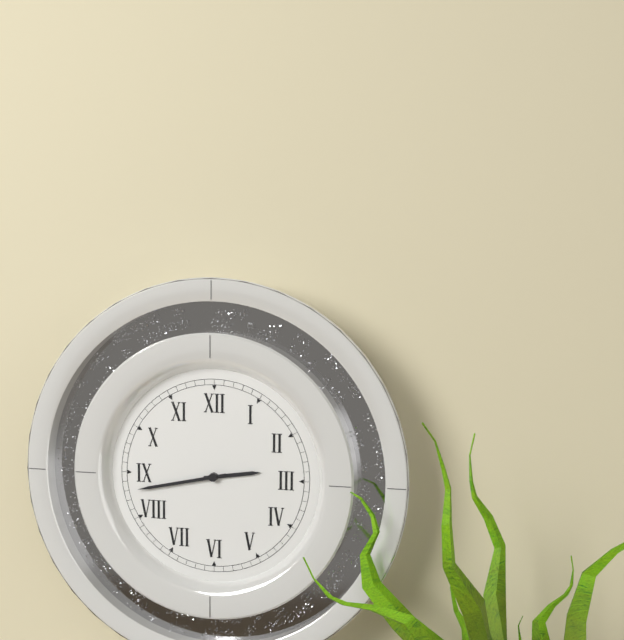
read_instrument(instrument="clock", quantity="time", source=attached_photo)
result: 2:43
